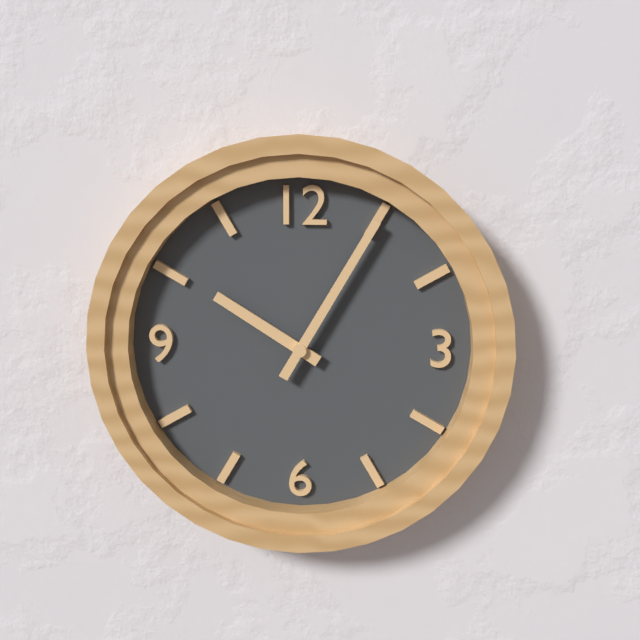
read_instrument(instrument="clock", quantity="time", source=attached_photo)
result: 10:05
